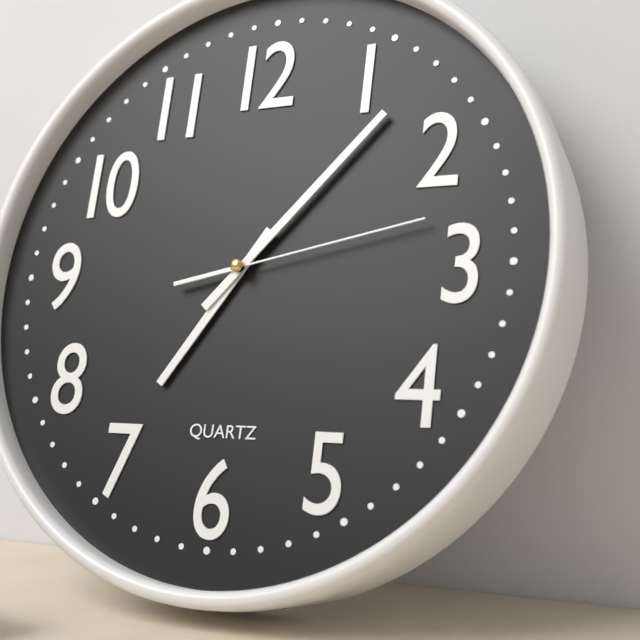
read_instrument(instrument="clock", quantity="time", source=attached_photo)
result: 7:07:13
